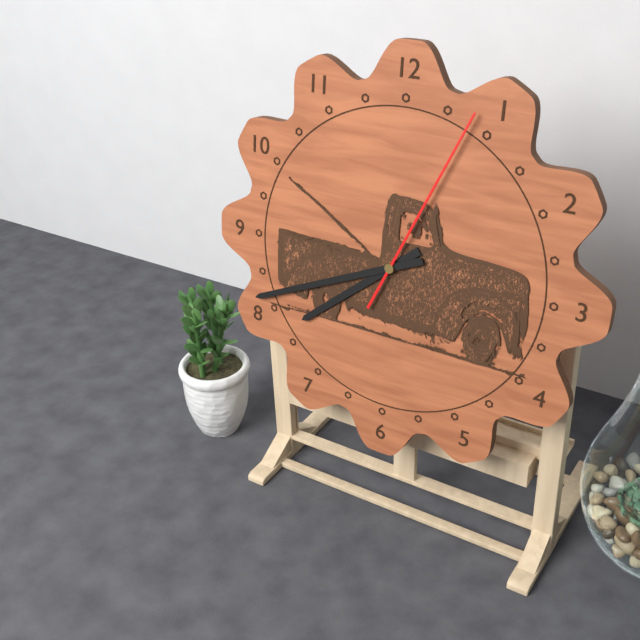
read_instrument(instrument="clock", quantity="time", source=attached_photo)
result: 7:41:04
